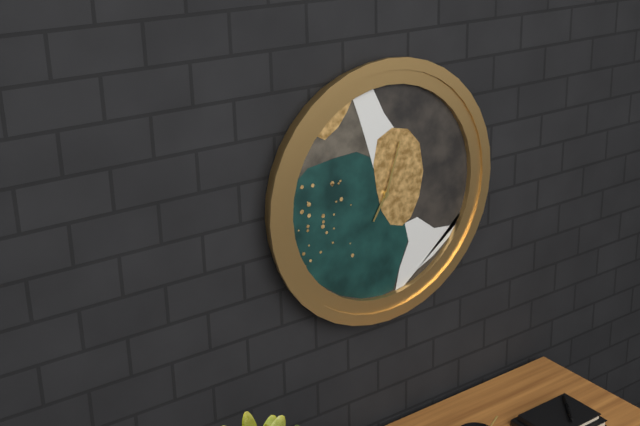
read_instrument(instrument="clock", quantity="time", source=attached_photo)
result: 7:03
